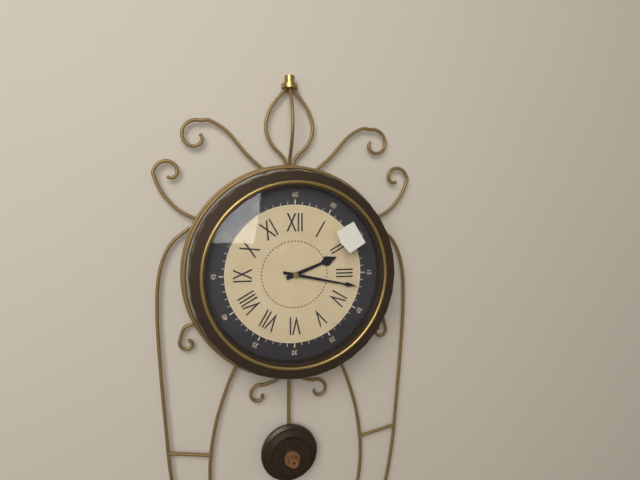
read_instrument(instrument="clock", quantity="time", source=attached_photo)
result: 2:17
